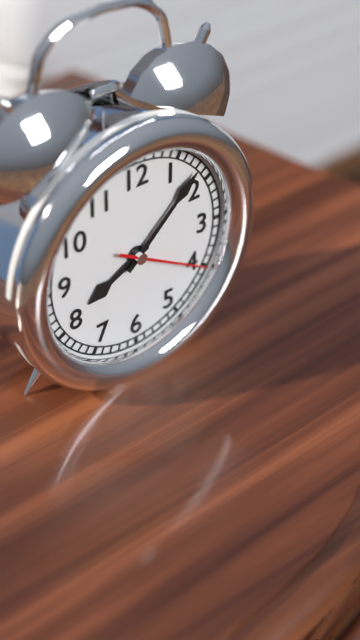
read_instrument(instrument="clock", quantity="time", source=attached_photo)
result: 8:08:20
